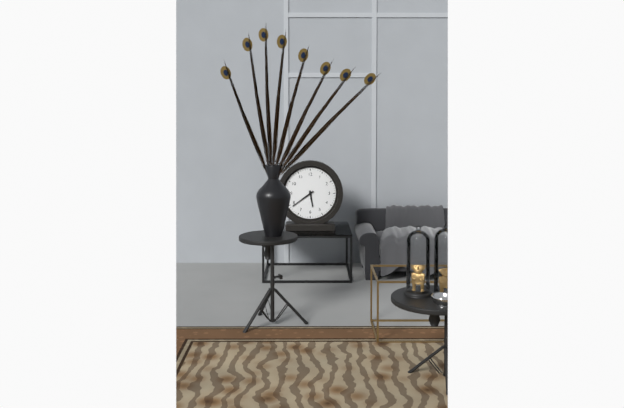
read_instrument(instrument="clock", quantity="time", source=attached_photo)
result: 5:39
